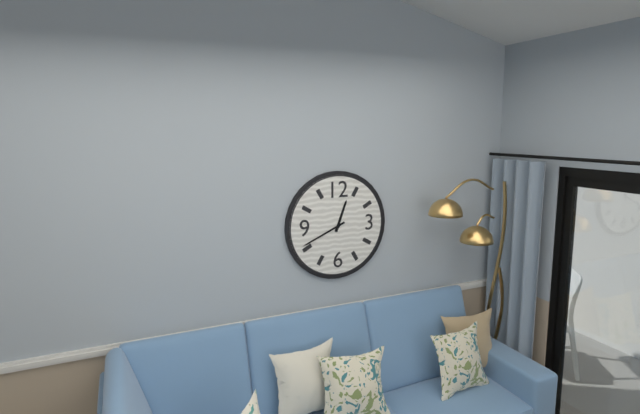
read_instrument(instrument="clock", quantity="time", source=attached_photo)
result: 12:41
